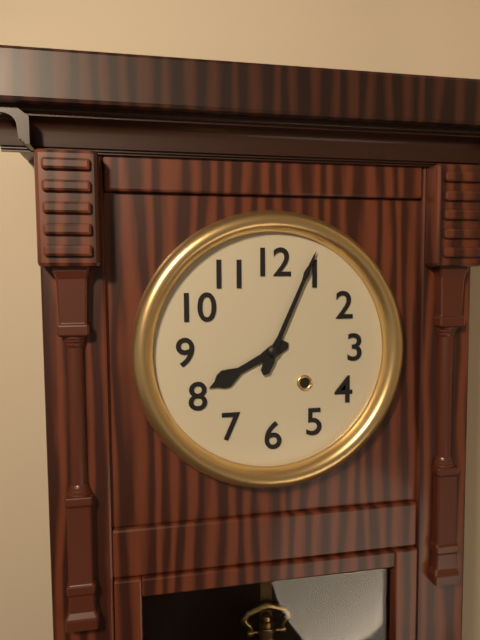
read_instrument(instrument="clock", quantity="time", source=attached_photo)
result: 8:04
